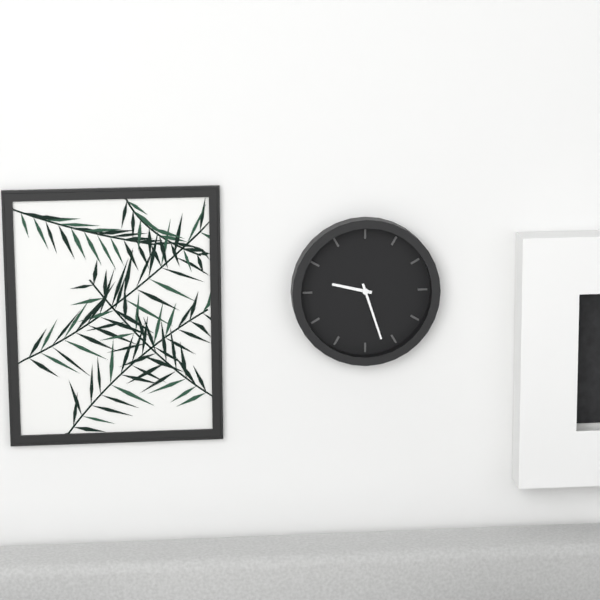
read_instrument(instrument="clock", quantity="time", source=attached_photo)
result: 9:27
